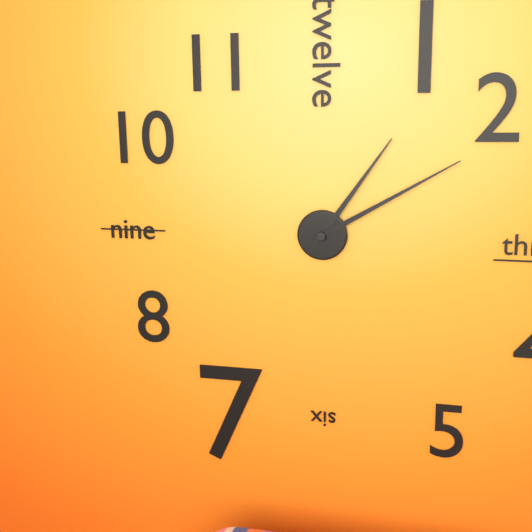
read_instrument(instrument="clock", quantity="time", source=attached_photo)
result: 1:10
